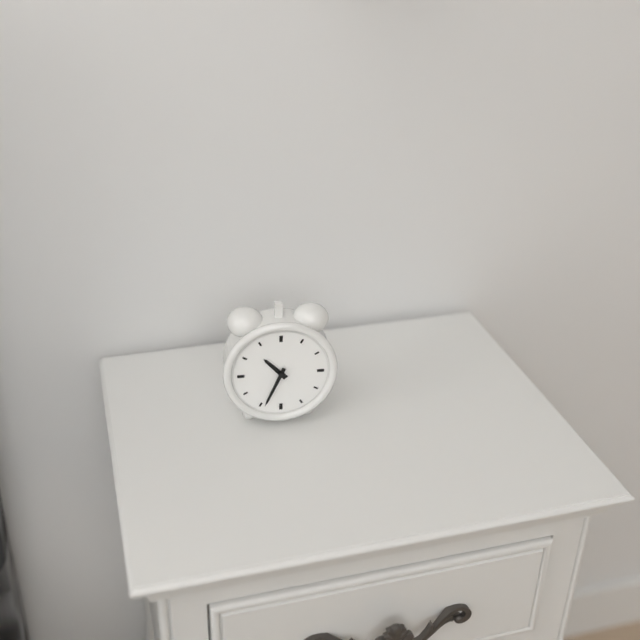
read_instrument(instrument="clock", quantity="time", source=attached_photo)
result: 10:34
